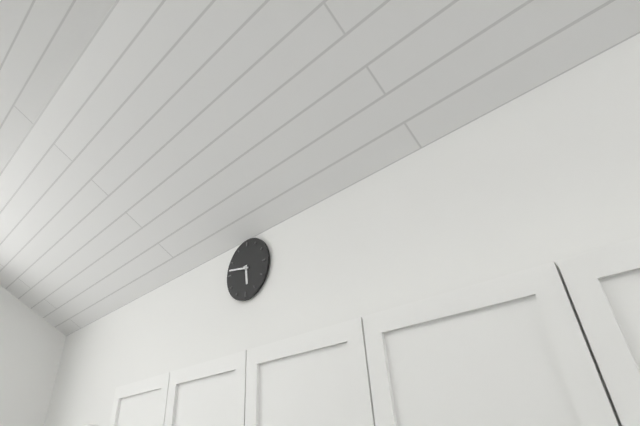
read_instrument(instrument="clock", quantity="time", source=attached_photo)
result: 5:47
